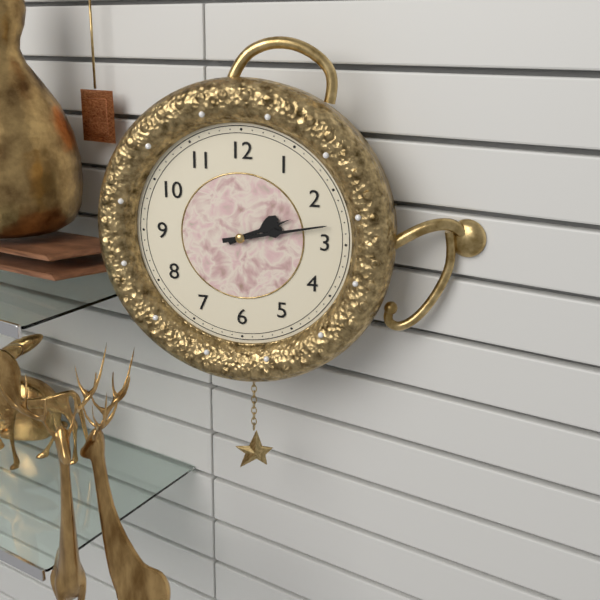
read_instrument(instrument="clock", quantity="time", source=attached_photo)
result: 2:13
